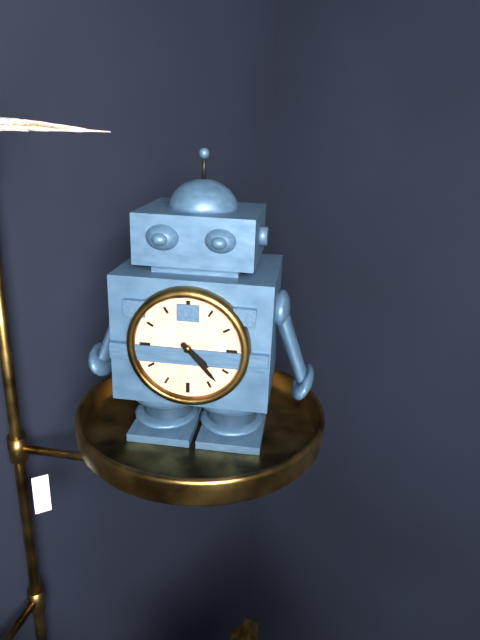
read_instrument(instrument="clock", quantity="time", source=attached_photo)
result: 4:23
